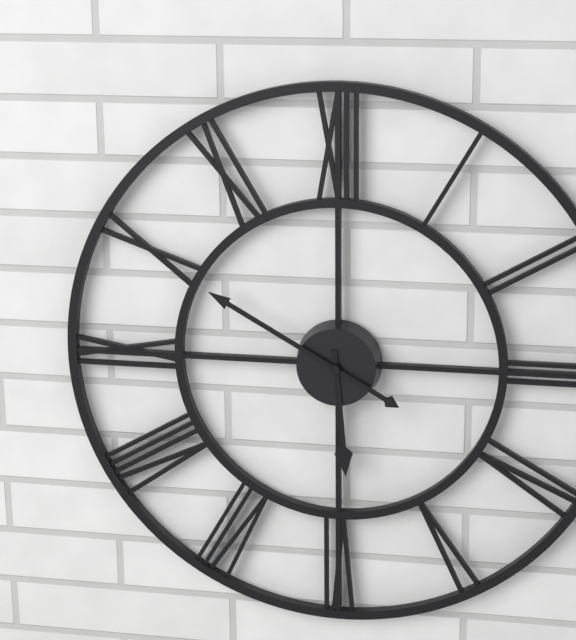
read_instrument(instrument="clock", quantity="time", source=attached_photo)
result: 5:50
